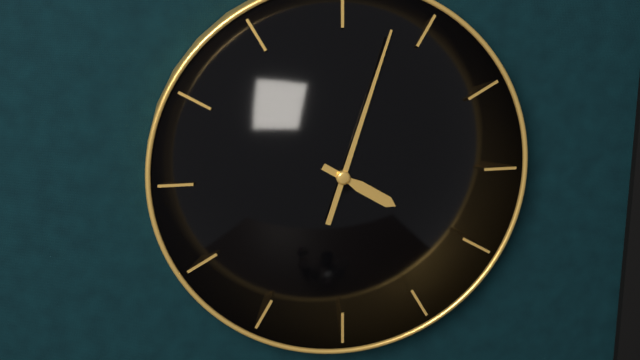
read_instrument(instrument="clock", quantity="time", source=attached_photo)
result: 4:03
